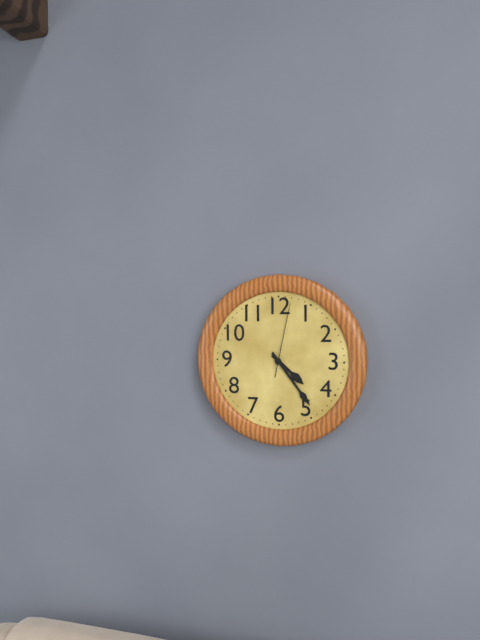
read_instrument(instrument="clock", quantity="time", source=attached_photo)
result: 4:24:02
